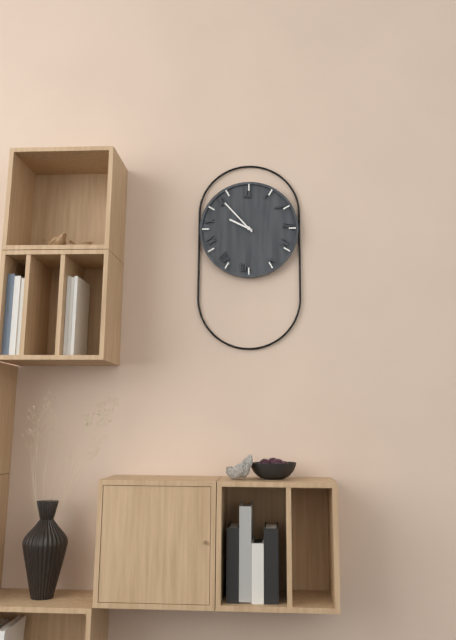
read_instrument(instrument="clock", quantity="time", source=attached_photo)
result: 9:53
